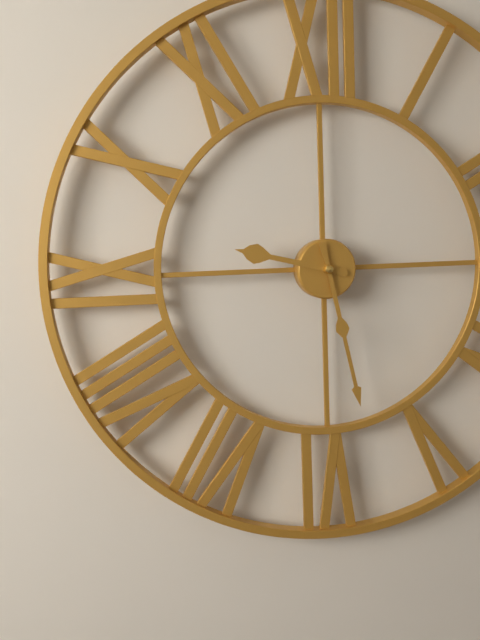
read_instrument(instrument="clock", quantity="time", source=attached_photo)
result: 9:28
